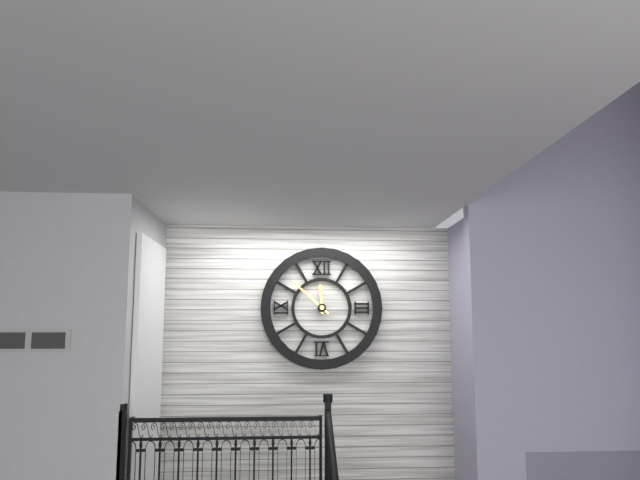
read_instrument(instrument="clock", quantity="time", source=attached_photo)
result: 11:52
